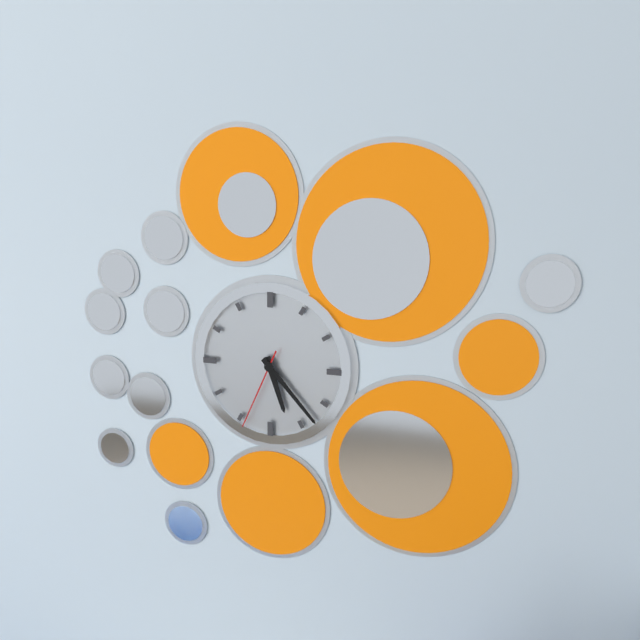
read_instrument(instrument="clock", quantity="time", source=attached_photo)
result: 5:23:34
